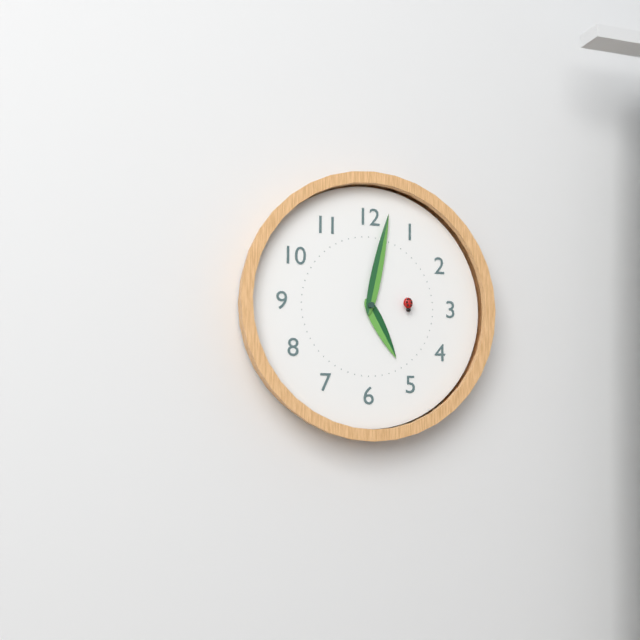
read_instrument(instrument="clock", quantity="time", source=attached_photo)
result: 5:02:14
